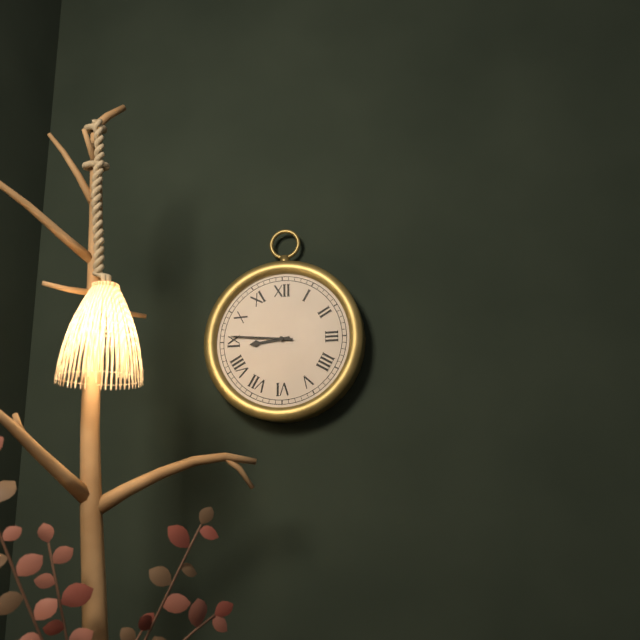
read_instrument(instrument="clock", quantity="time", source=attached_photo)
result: 8:46
